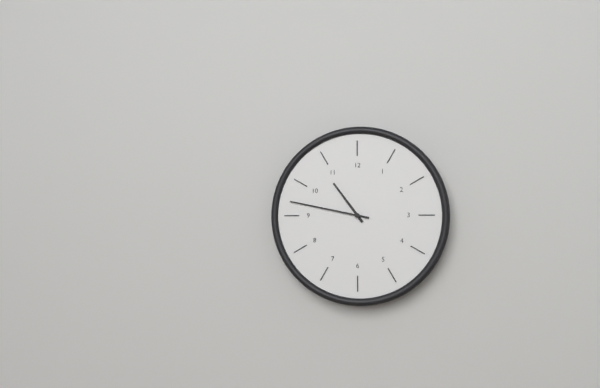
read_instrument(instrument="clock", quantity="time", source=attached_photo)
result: 10:47
